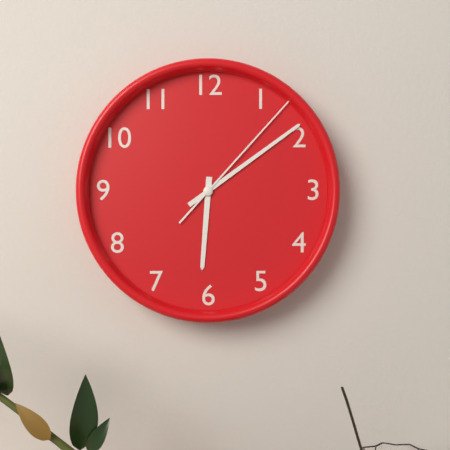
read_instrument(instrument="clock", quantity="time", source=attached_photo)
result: 6:09:07
